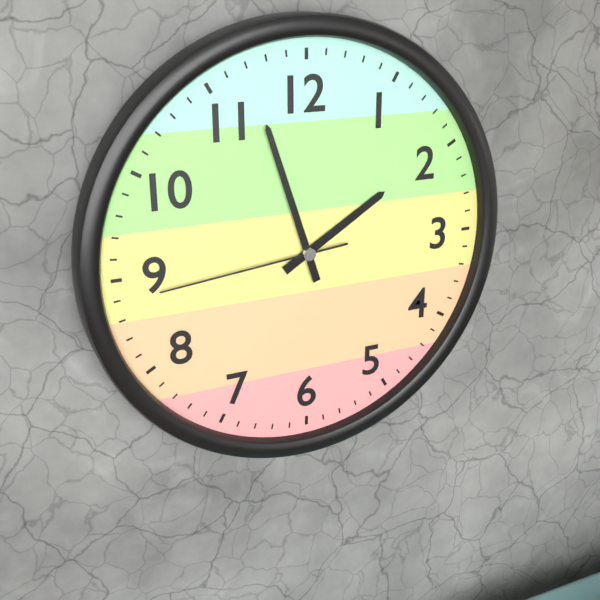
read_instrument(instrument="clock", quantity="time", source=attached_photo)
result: 1:57:44
